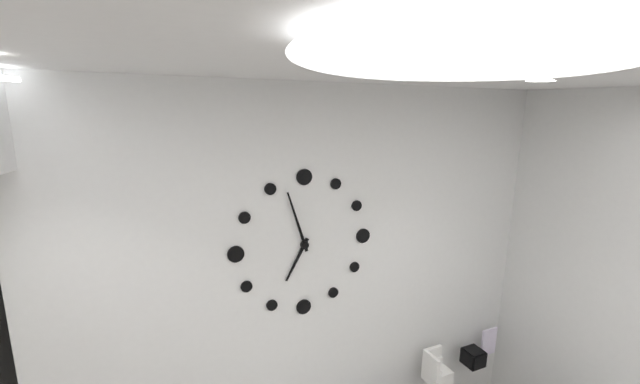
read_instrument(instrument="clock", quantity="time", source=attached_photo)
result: 6:57
